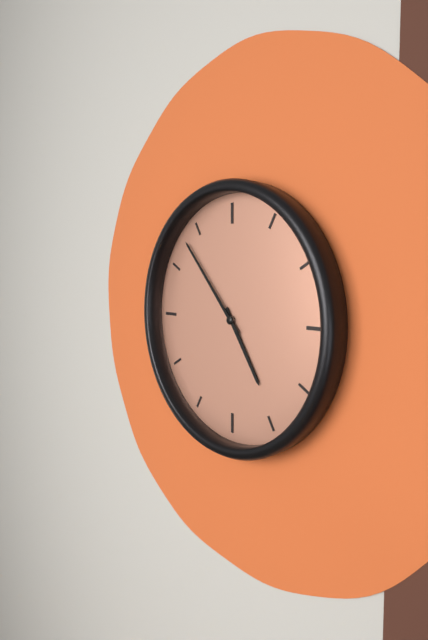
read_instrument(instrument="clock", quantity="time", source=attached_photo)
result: 4:53
